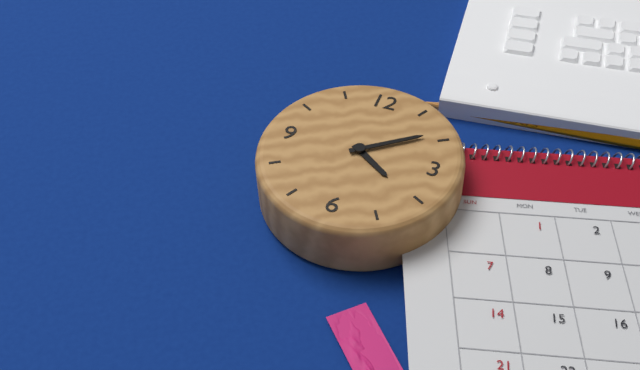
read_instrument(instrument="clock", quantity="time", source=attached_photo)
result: 4:09
